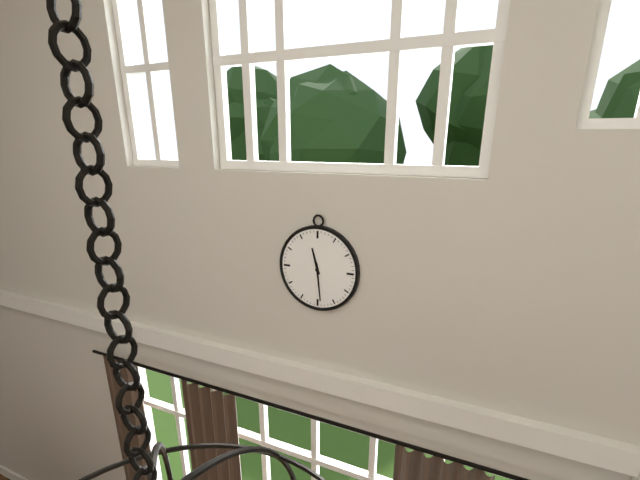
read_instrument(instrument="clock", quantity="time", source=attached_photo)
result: 11:29
